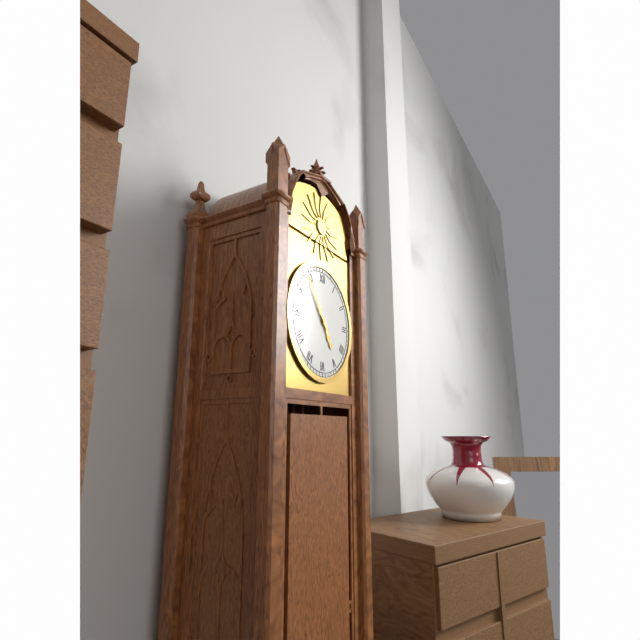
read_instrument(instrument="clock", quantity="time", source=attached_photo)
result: 4:54
